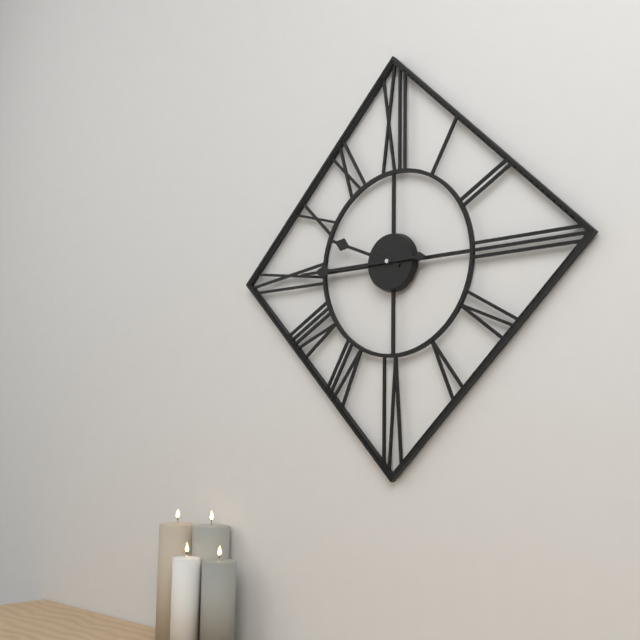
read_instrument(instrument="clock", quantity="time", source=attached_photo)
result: 9:45
